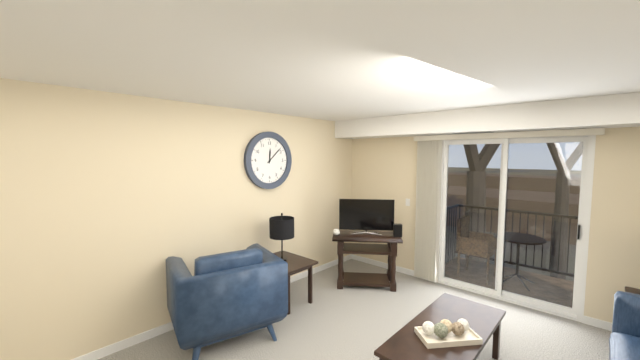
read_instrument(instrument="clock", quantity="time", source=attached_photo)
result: 12:08
